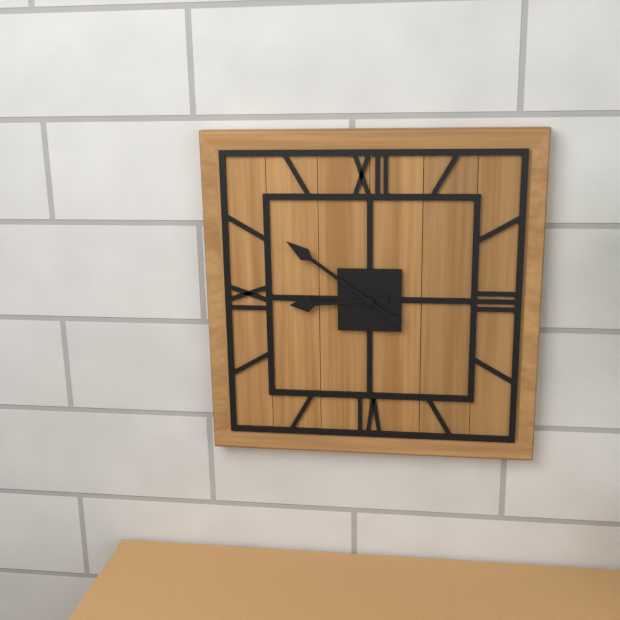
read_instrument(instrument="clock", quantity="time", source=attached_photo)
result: 8:51
